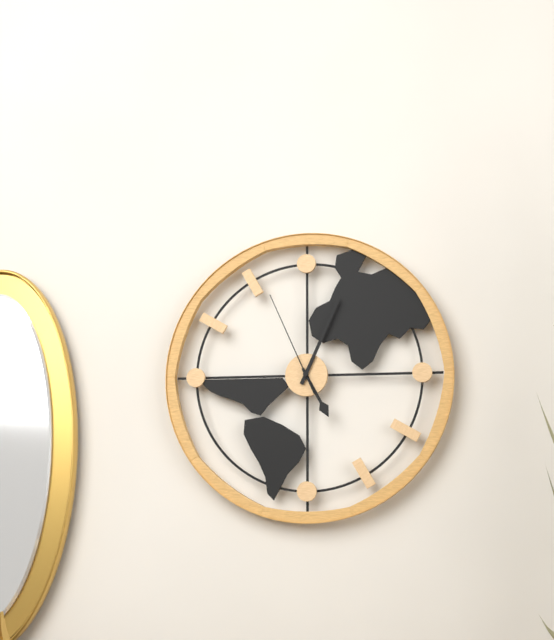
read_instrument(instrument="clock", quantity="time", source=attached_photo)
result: 5:04:56
